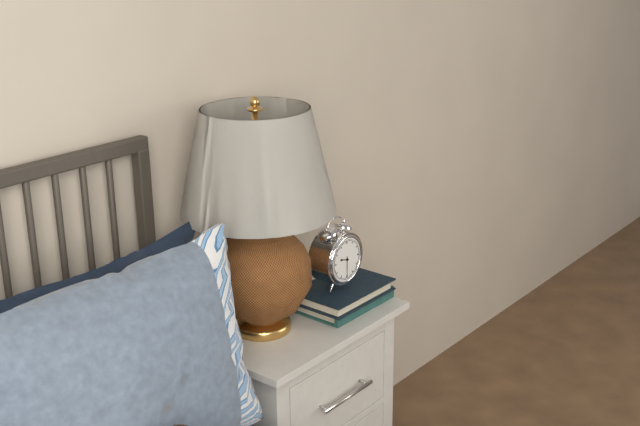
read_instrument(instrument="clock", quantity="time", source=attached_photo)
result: 9:30
